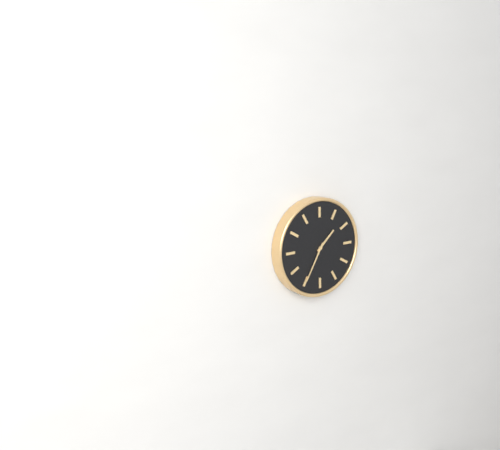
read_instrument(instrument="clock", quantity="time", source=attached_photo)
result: 1:35
